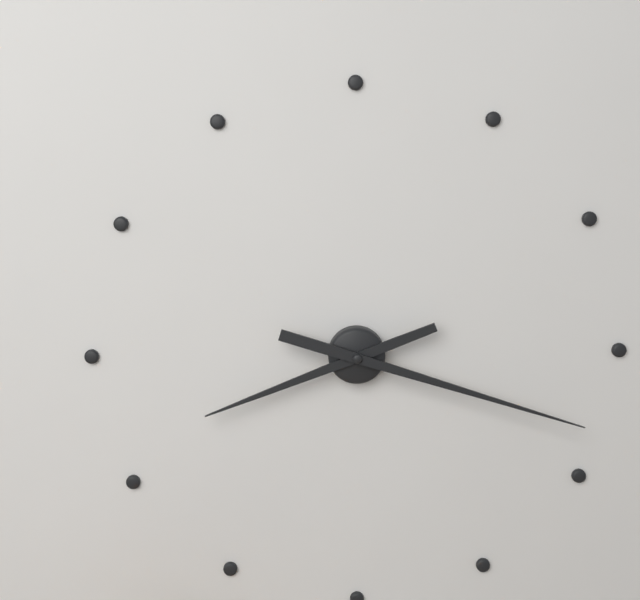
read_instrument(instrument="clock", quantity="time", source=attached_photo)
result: 8:18
